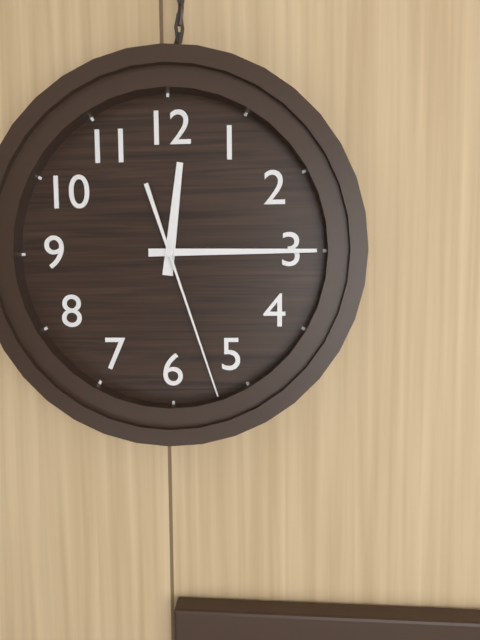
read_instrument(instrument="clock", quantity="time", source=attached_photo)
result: 12:15:27
